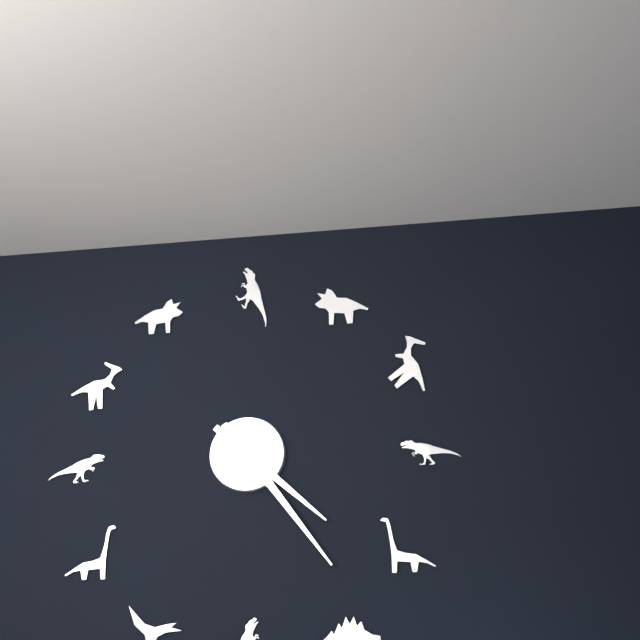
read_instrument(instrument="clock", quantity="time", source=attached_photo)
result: 4:24
